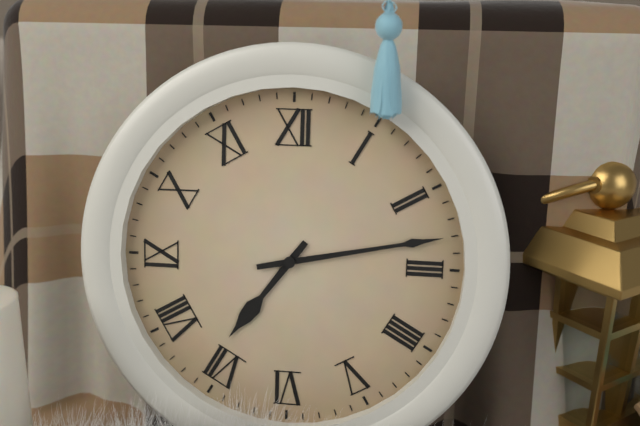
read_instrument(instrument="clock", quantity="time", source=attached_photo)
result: 7:13
